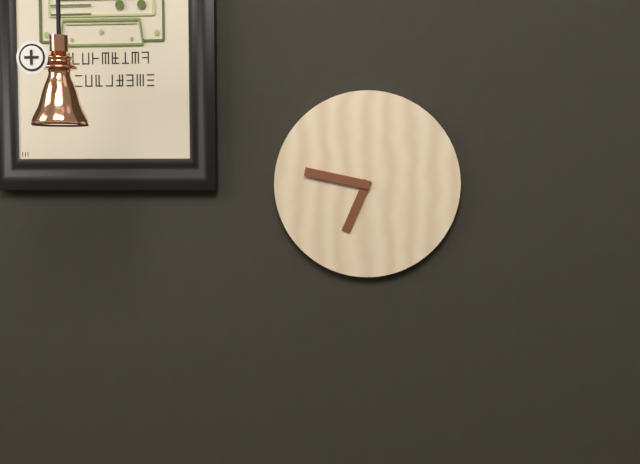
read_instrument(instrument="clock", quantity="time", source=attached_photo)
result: 6:47
